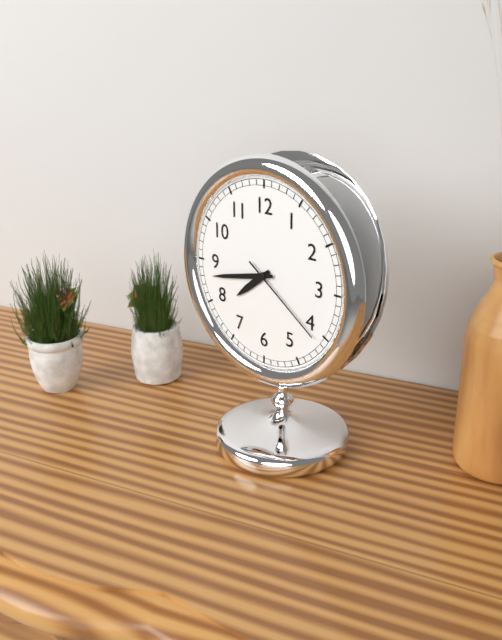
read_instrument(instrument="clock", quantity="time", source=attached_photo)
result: 7:43:21
